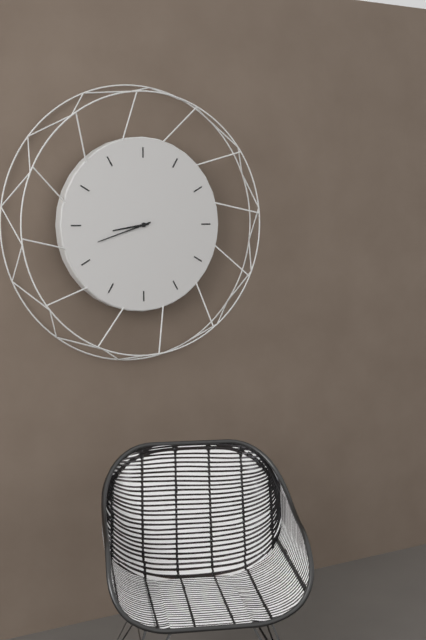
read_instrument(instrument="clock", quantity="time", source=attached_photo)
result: 8:42
